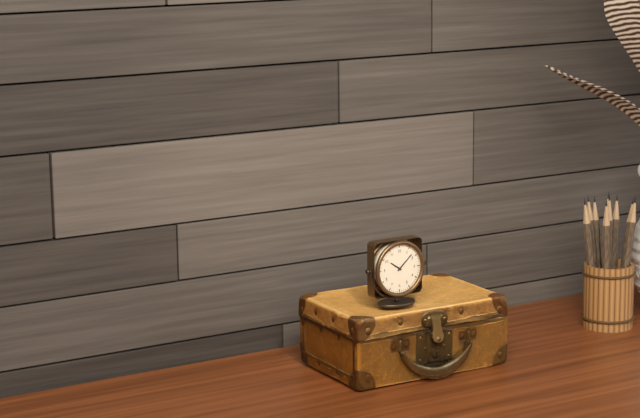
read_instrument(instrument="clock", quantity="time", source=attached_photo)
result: 10:08
